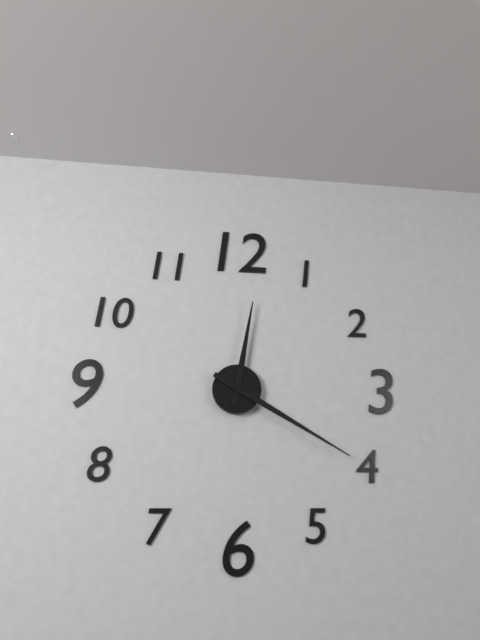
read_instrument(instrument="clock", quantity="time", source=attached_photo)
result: 12:20
